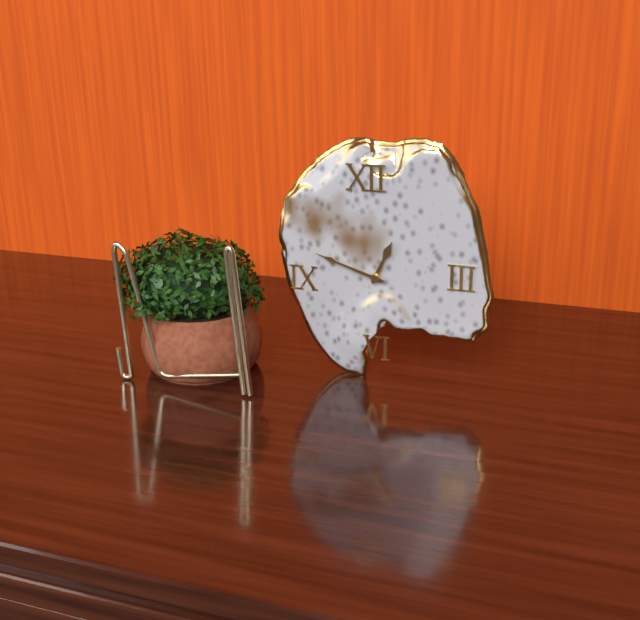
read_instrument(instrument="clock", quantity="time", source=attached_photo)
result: 12:48
